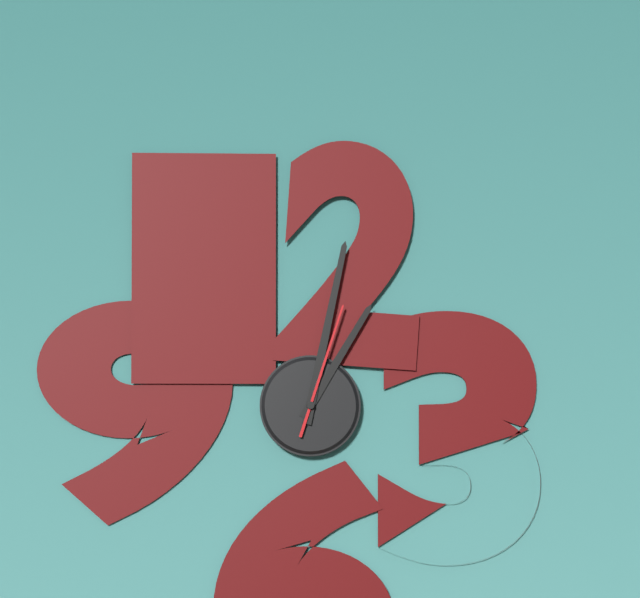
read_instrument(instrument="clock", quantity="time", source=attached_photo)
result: 1:02:03
